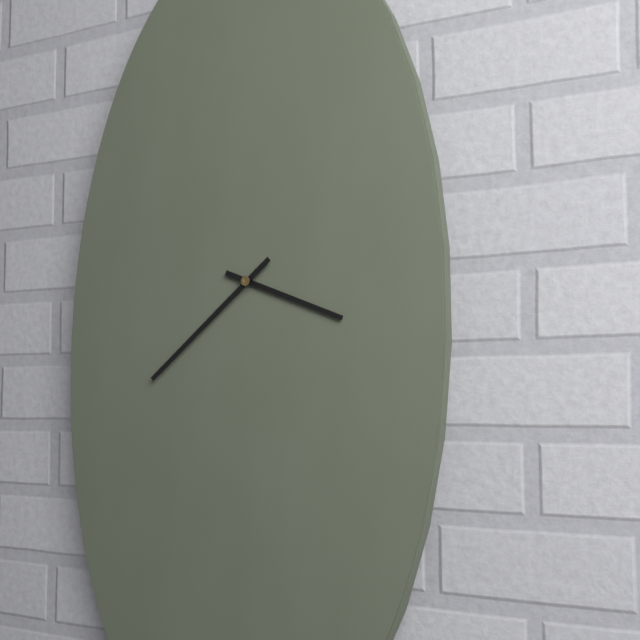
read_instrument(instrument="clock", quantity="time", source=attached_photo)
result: 3:38
